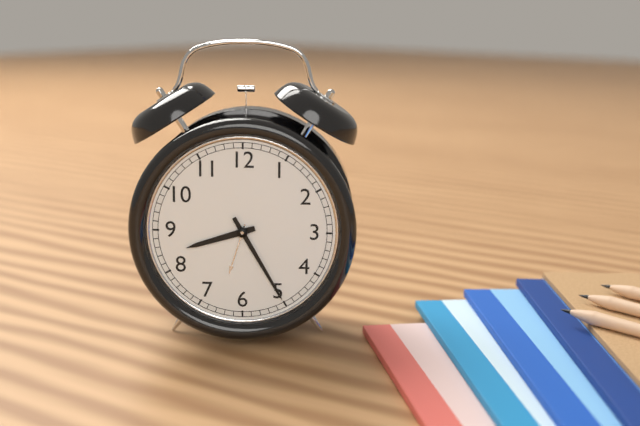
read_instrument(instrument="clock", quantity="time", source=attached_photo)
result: 8:25
